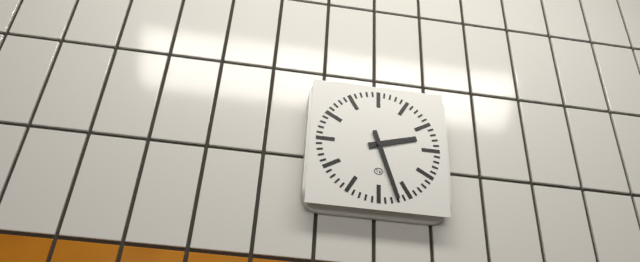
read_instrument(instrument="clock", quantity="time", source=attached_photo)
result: 2:27
